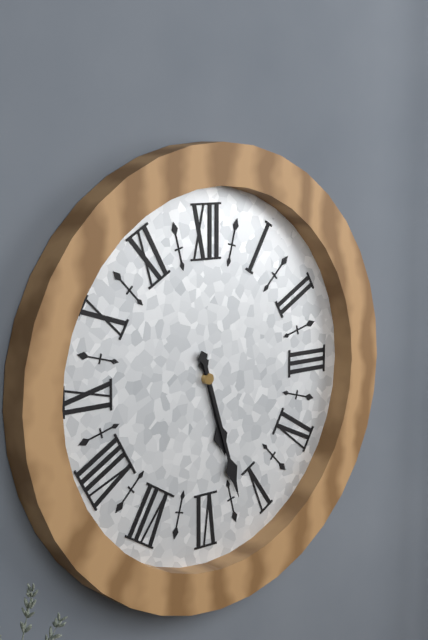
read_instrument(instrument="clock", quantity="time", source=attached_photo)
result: 5:27
